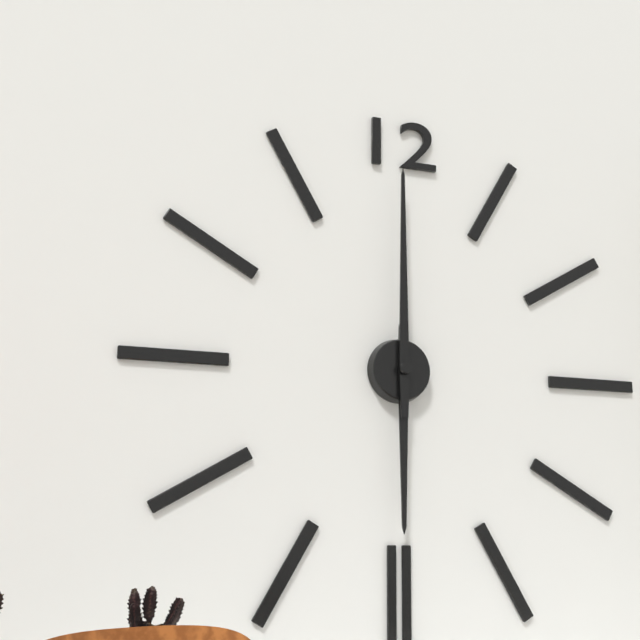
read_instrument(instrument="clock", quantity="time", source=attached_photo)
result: 6:00
